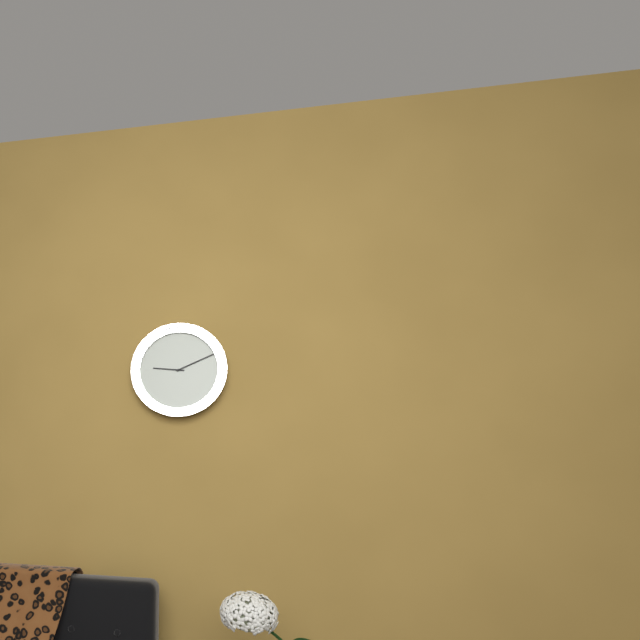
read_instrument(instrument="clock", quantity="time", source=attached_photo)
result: 9:11
